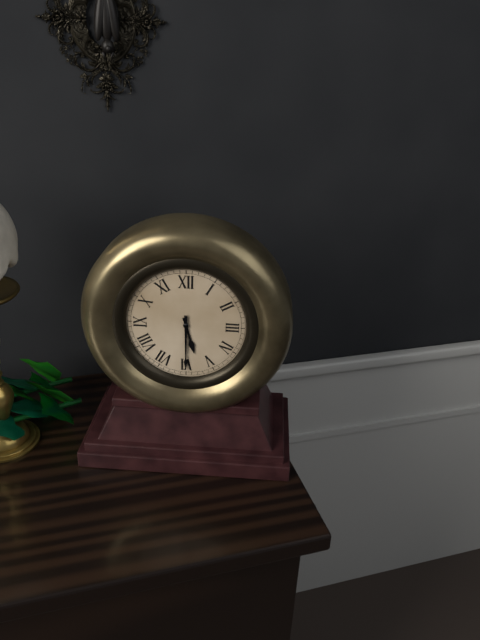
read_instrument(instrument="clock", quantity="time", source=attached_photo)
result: 5:30
